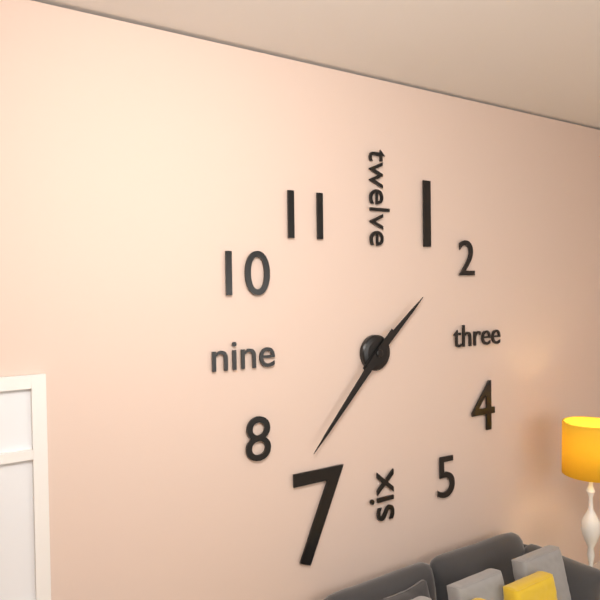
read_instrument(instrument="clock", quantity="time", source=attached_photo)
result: 1:37
